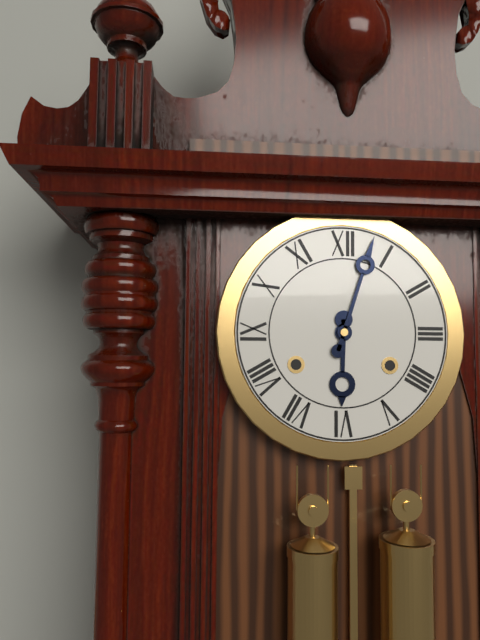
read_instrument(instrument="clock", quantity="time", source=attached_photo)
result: 6:03
